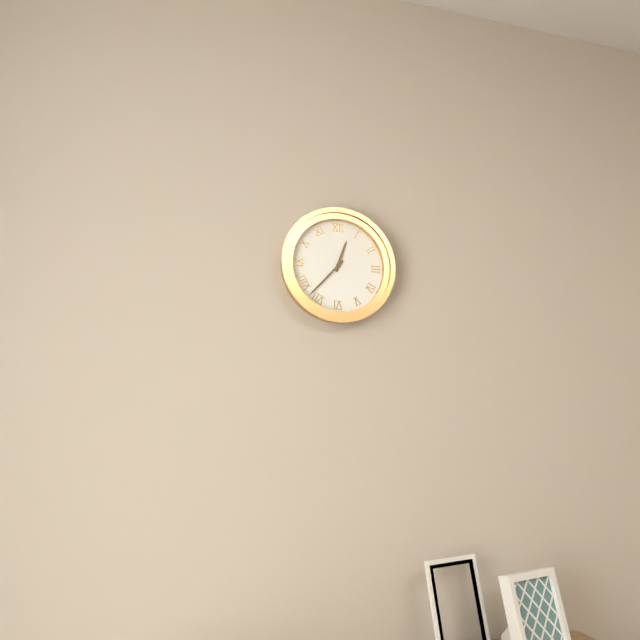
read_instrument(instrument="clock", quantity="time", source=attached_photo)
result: 12:37
